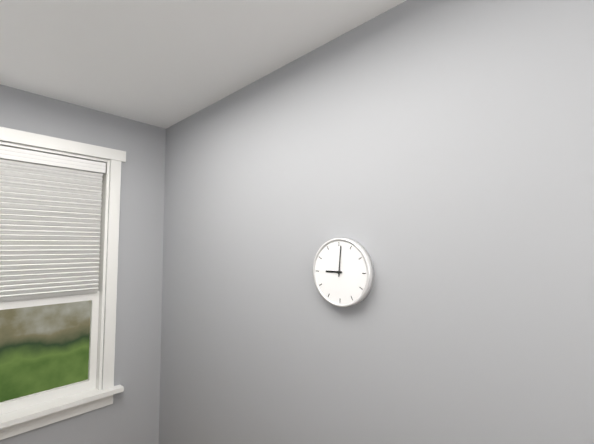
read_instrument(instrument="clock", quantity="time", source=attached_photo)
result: 9:01
